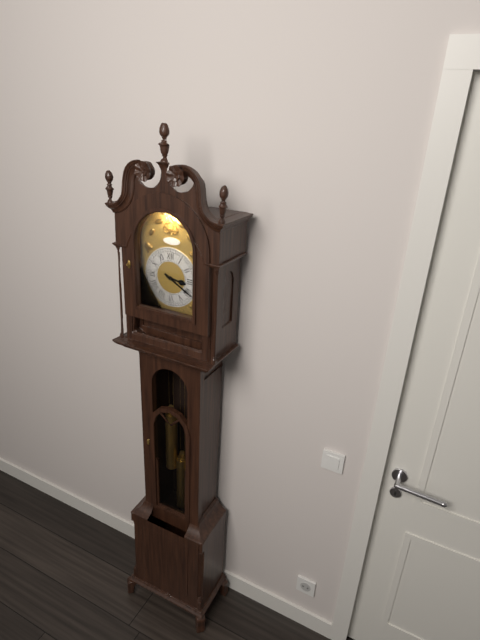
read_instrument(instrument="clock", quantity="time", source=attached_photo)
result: 3:20
